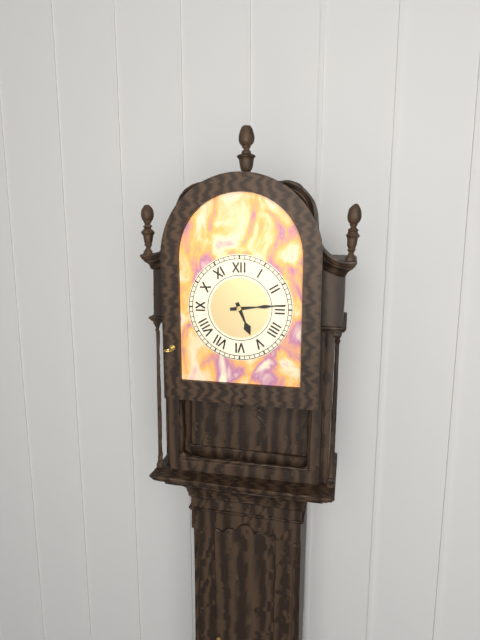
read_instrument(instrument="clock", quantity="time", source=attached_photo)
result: 5:14
